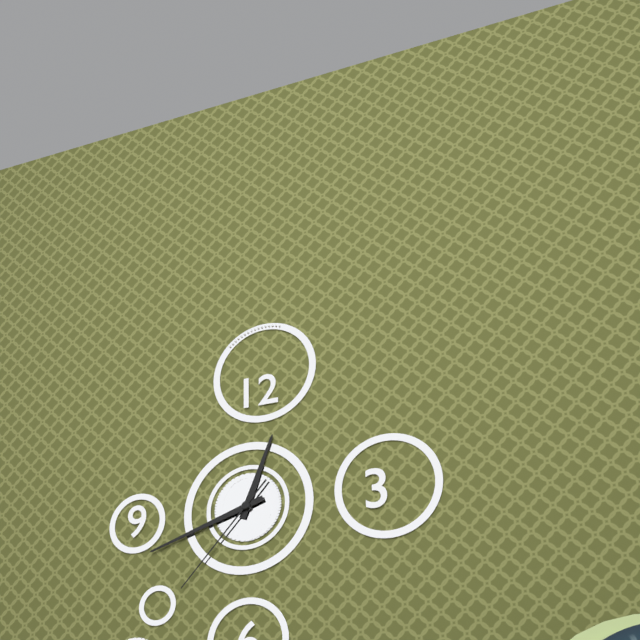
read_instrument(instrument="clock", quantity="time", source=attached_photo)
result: 12:42:37
